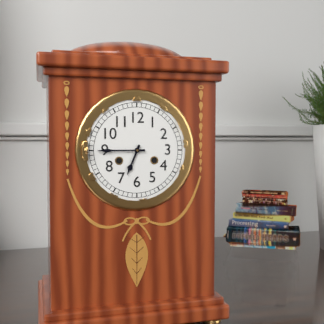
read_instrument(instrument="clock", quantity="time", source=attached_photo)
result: 6:45
